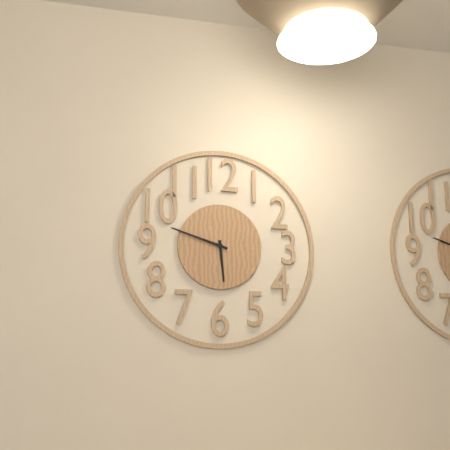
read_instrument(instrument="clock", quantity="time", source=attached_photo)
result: 5:48
